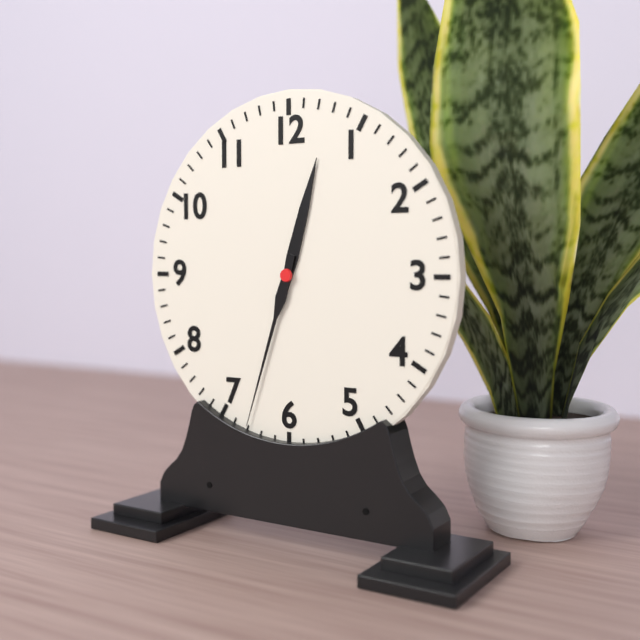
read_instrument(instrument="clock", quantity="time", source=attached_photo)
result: 12:33
